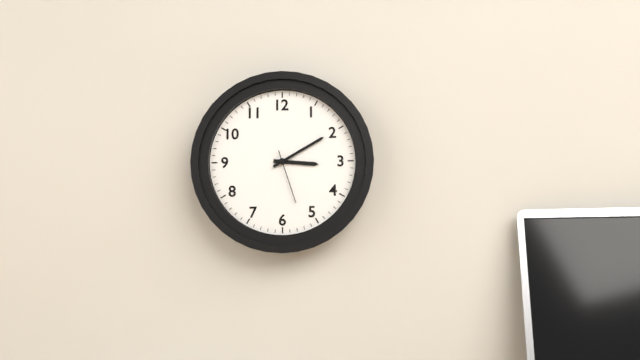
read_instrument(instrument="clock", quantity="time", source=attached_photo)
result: 3:10:27
